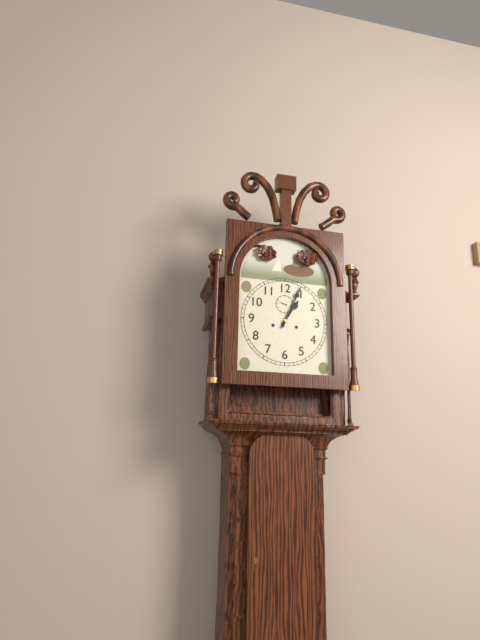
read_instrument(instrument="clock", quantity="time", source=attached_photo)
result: 1:04
